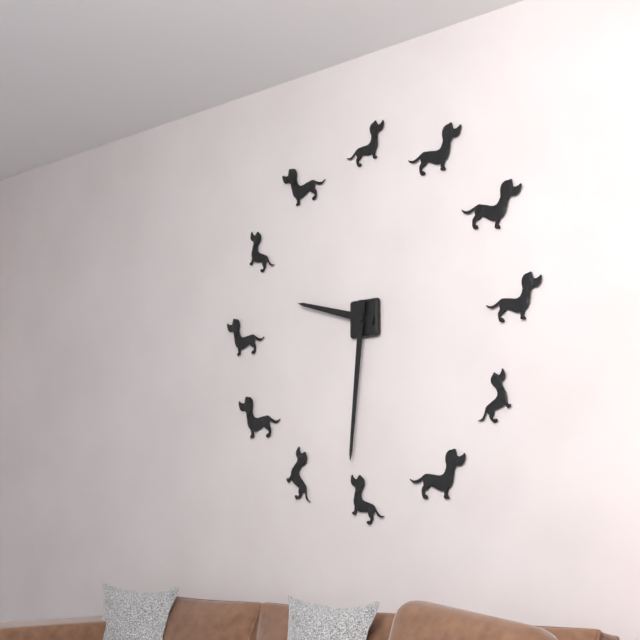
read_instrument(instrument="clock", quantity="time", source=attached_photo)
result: 9:31
